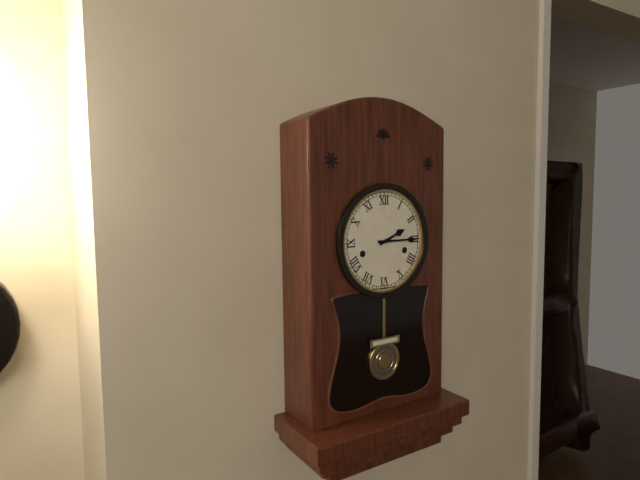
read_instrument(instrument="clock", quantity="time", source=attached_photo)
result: 2:15
